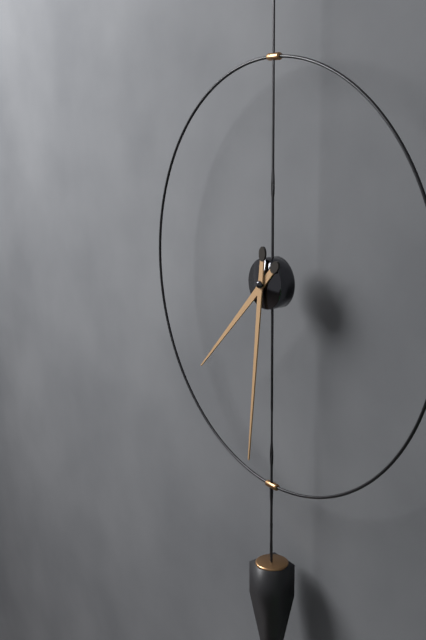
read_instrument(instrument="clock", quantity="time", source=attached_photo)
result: 7:31
